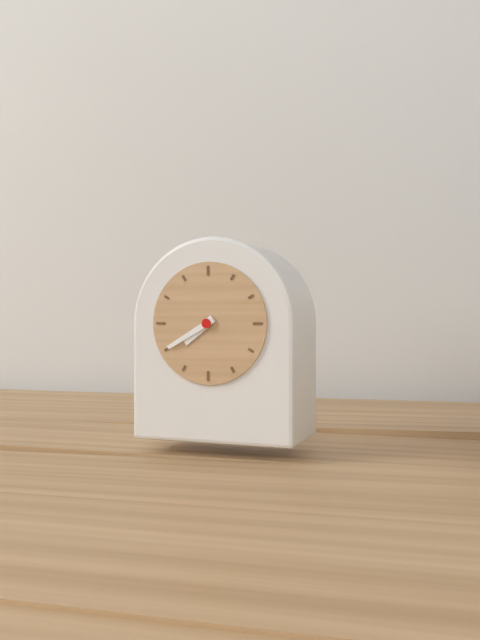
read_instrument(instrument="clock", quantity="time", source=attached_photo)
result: 7:40
